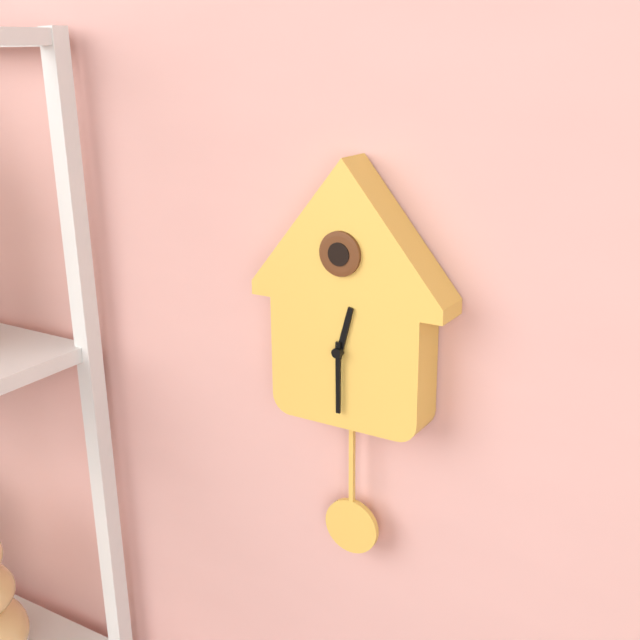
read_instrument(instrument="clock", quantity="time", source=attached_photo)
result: 12:30
